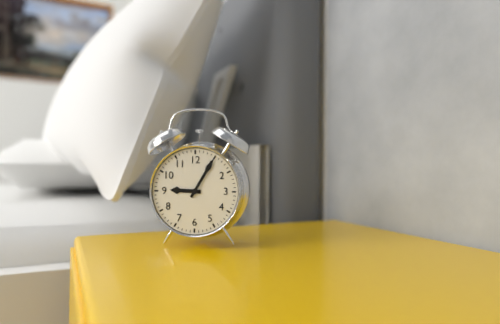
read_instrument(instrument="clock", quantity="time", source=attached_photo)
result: 9:05
